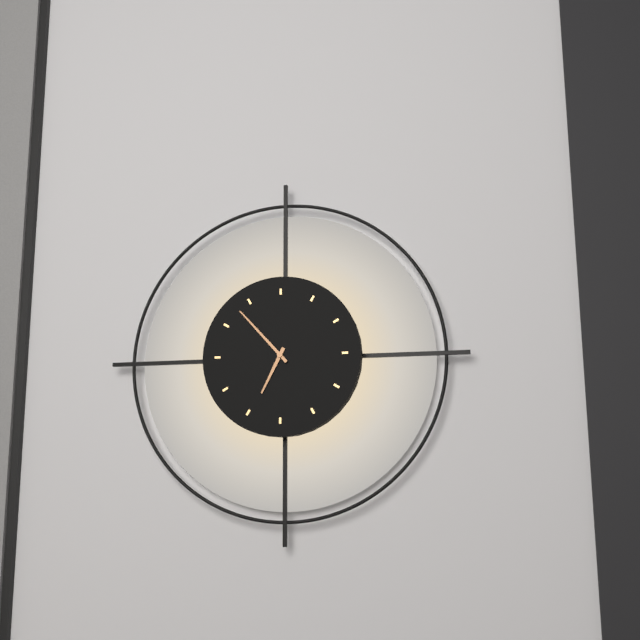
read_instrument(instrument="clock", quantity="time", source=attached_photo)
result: 6:53
